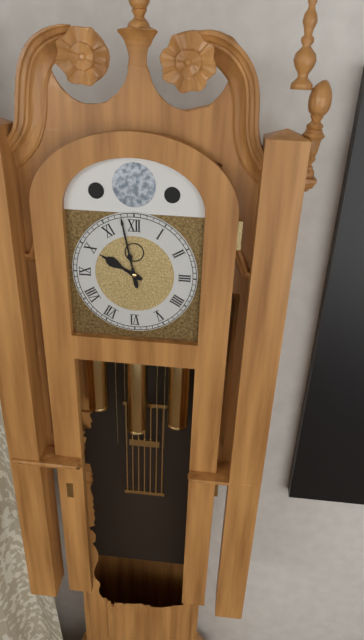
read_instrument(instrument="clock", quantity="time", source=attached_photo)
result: 9:58
